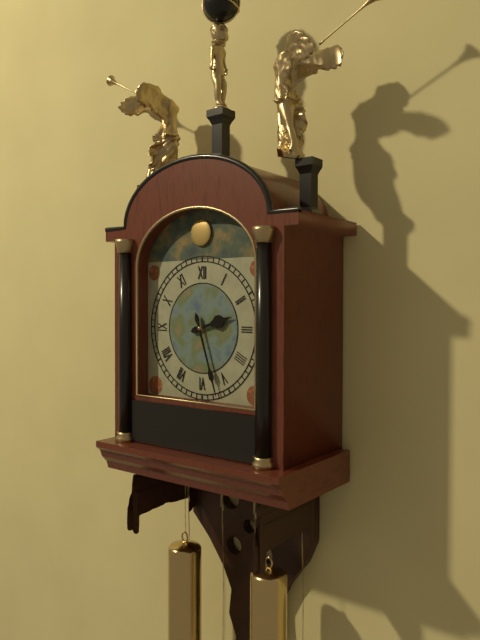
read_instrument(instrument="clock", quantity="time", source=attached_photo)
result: 2:27
